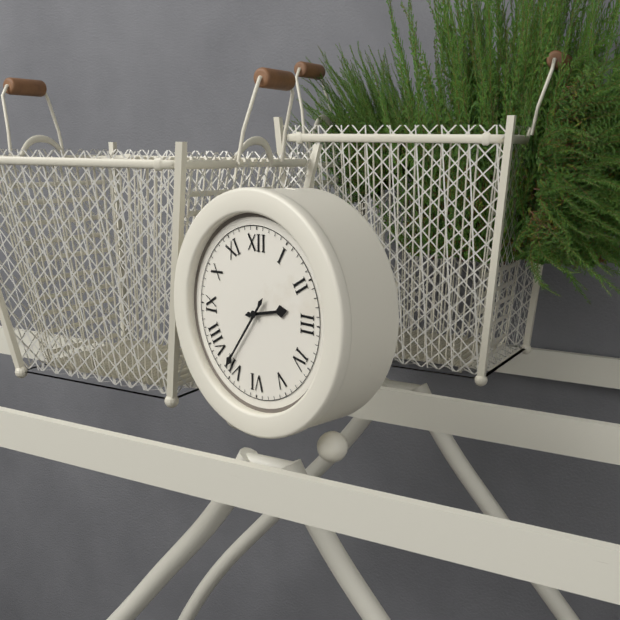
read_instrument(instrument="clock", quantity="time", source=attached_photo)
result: 2:36
